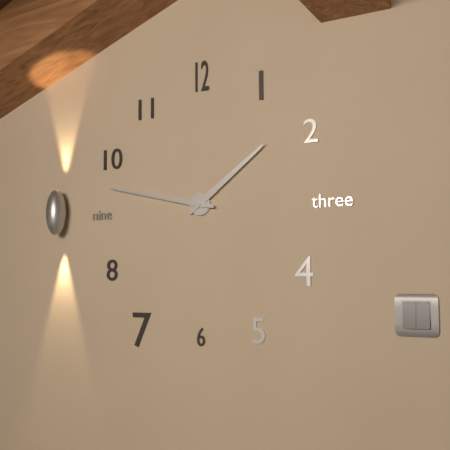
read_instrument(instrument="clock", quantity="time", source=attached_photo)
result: 1:47
